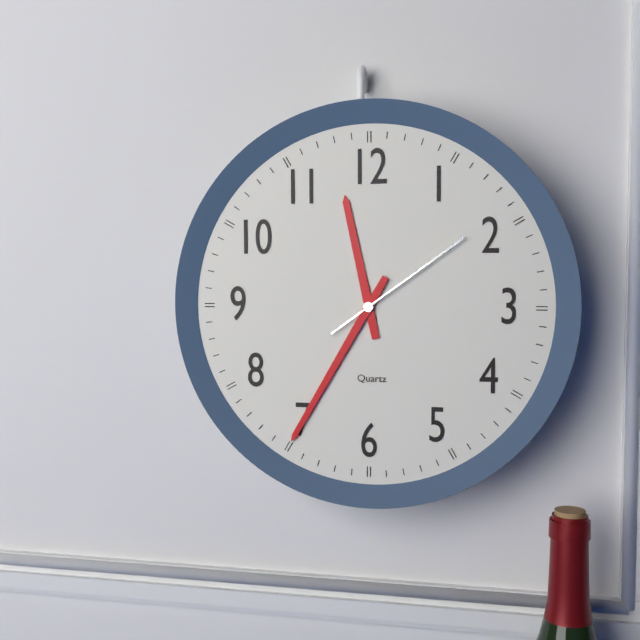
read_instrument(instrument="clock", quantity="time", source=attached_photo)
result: 11:35:09
